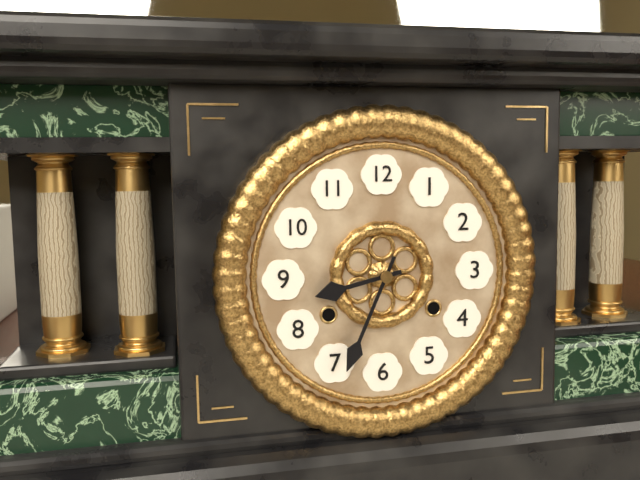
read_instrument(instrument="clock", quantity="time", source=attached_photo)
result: 8:34
